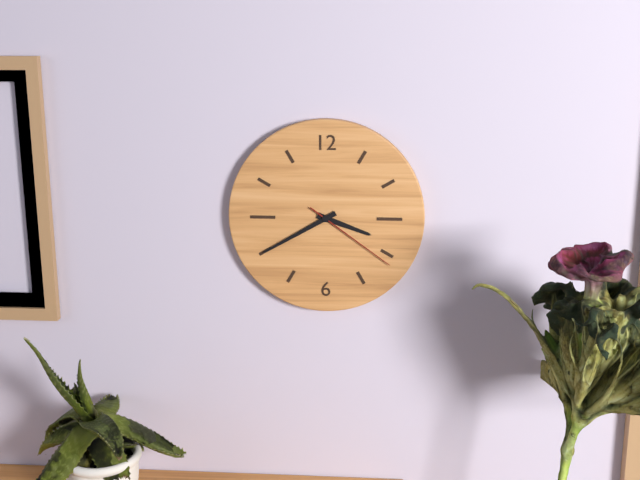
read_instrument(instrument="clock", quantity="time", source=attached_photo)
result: 3:40:21
